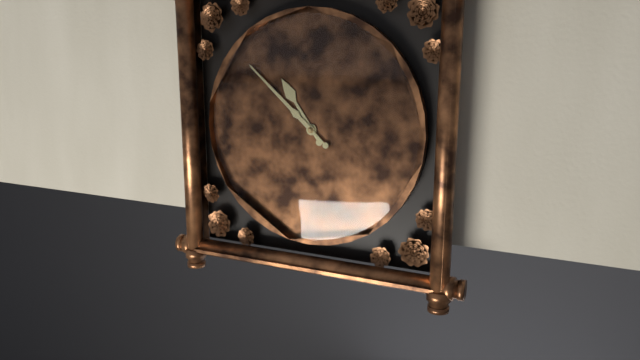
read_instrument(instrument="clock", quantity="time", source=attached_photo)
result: 10:52
